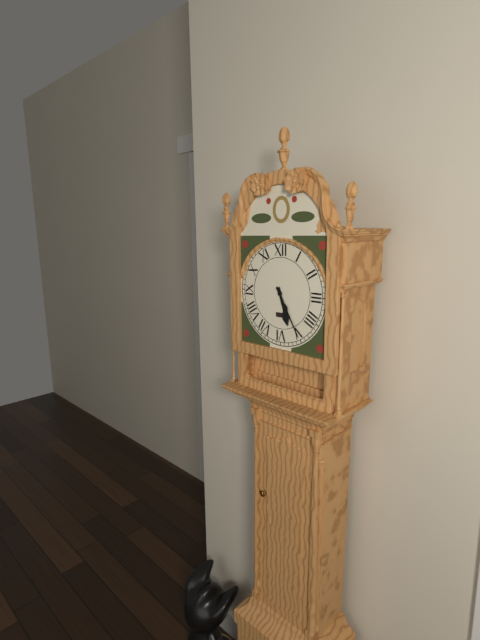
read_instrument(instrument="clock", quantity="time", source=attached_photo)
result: 5:25
